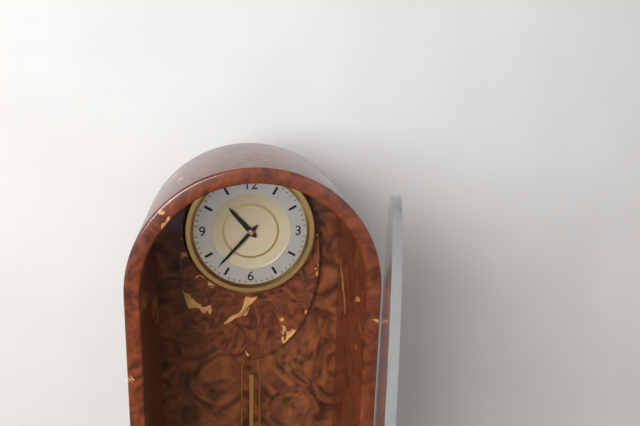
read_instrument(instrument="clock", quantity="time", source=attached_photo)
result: 10:37
